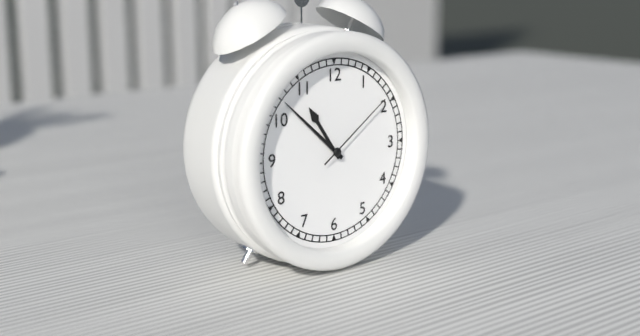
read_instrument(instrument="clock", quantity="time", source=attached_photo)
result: 10:52:09
